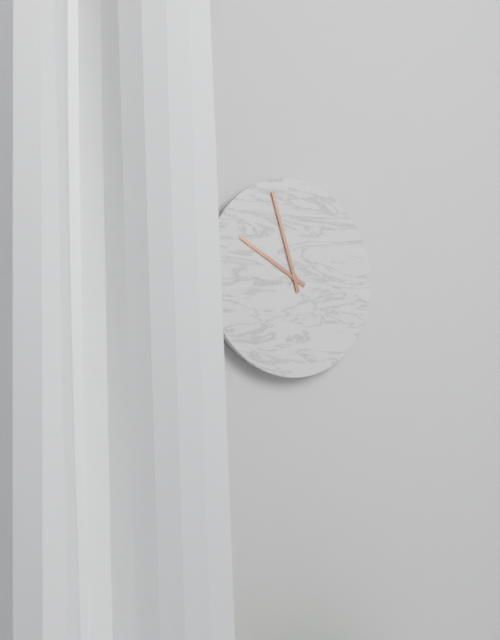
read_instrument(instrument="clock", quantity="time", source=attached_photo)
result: 9:57
